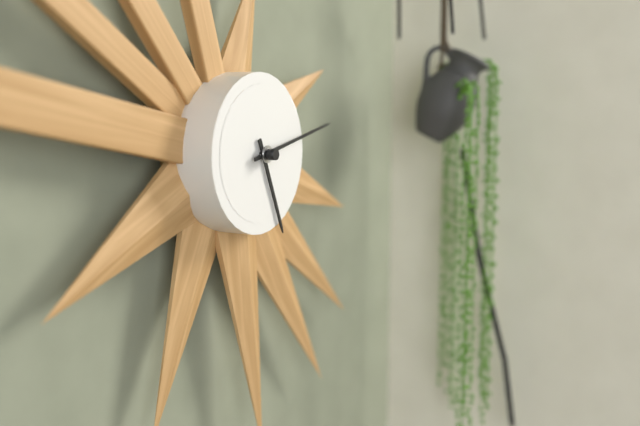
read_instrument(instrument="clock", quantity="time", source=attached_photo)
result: 5:13
